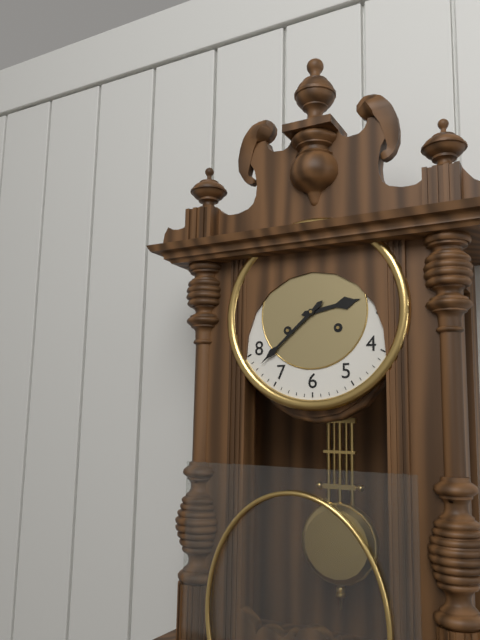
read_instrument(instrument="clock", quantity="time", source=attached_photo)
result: 2:38
